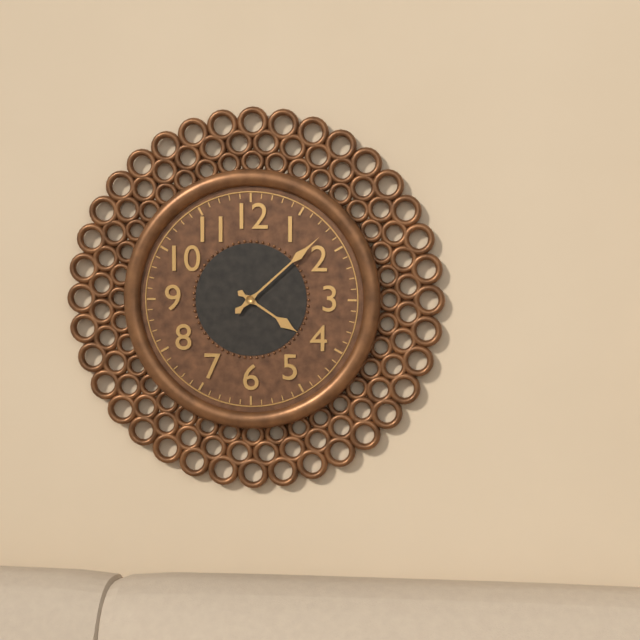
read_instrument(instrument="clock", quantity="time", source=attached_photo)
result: 4:08
